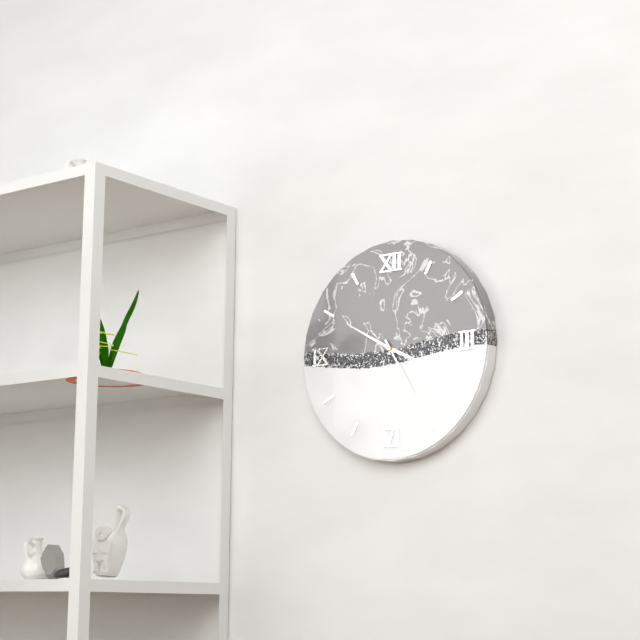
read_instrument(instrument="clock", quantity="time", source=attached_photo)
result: 3:50:25
